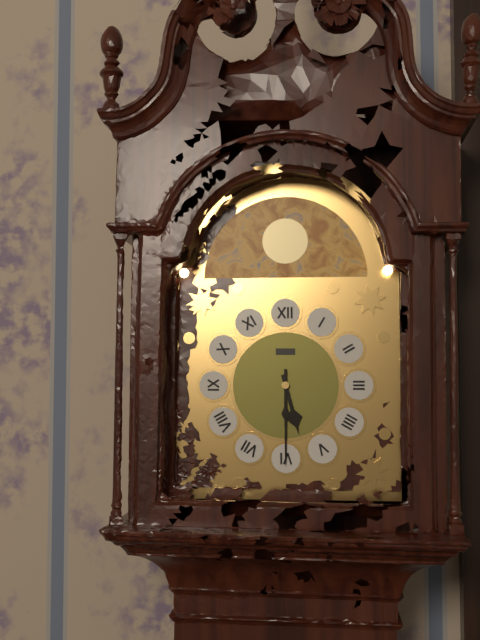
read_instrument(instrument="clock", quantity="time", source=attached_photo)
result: 5:30
